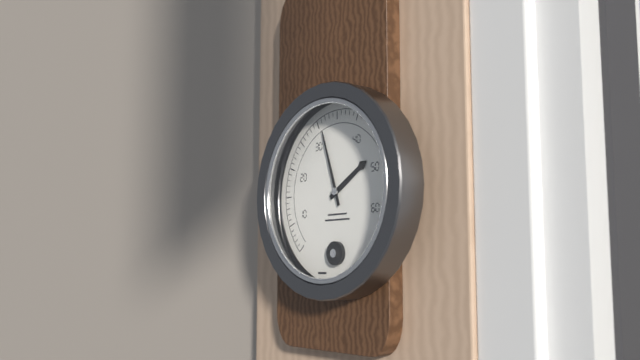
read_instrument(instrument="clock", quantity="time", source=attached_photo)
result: 1:57
